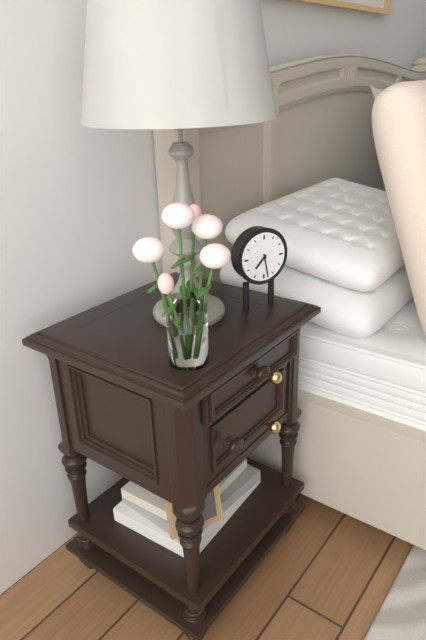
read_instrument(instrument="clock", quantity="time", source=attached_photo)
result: 7:28
